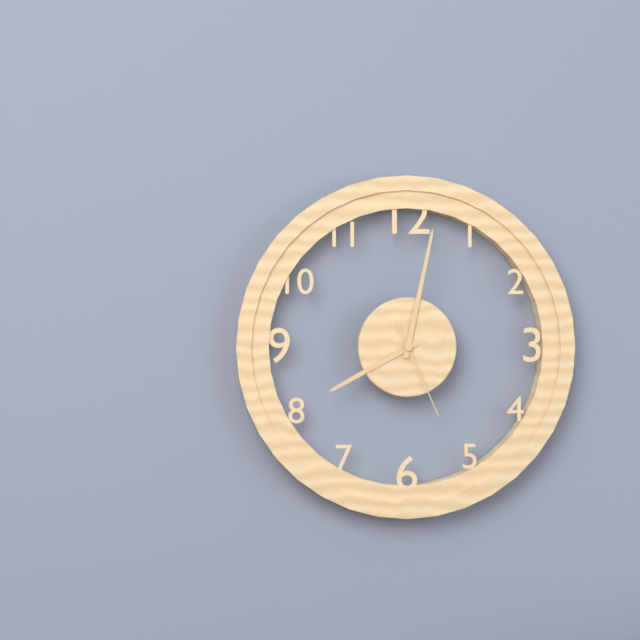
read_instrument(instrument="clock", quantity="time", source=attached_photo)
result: 8:02:26
